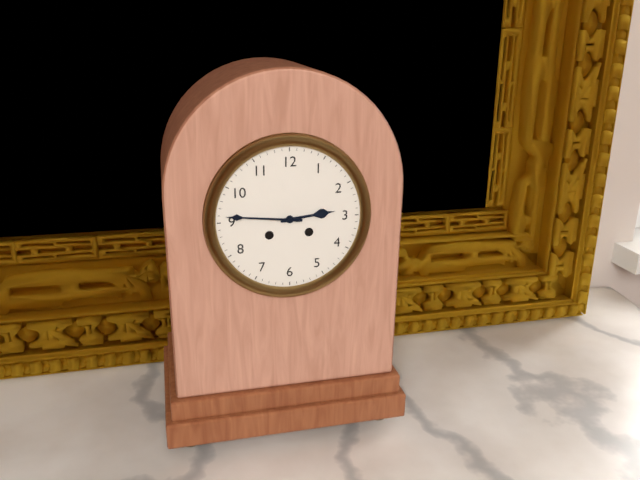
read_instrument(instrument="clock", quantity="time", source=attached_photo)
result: 2:46
